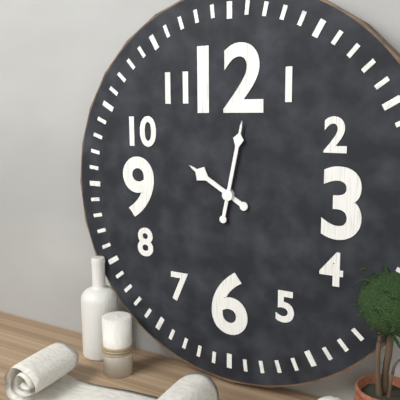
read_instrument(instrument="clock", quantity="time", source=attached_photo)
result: 10:02
